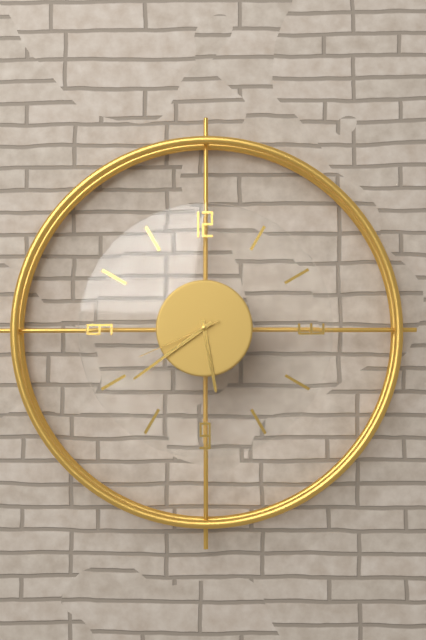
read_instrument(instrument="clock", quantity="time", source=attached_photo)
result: 5:39:41
